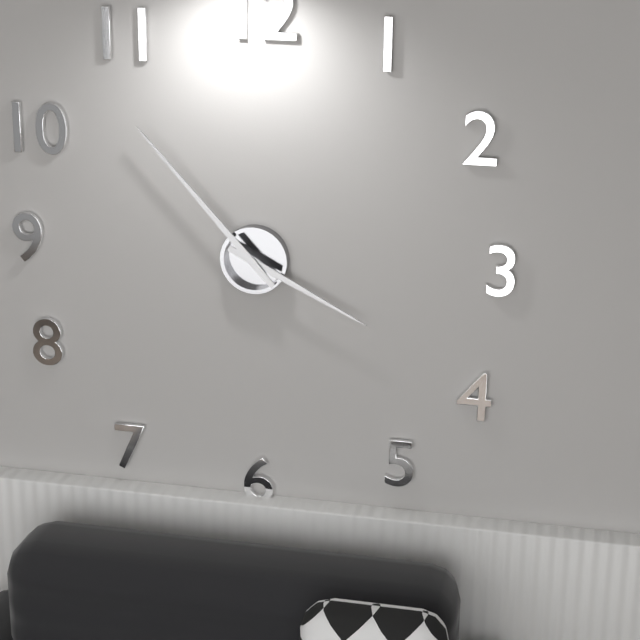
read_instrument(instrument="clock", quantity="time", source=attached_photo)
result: 3:53
